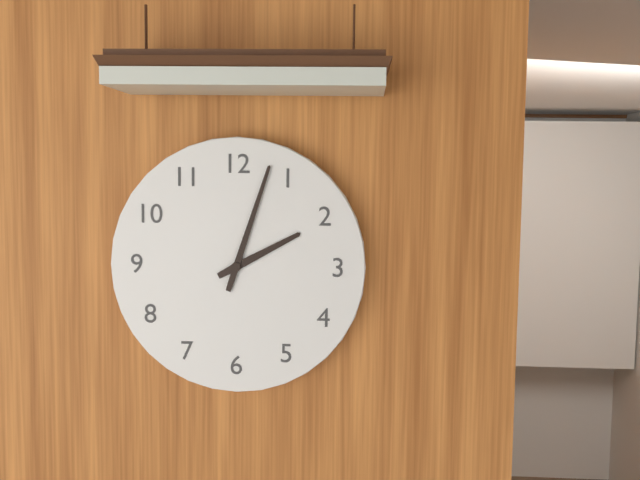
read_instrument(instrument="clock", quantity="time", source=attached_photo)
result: 2:03
